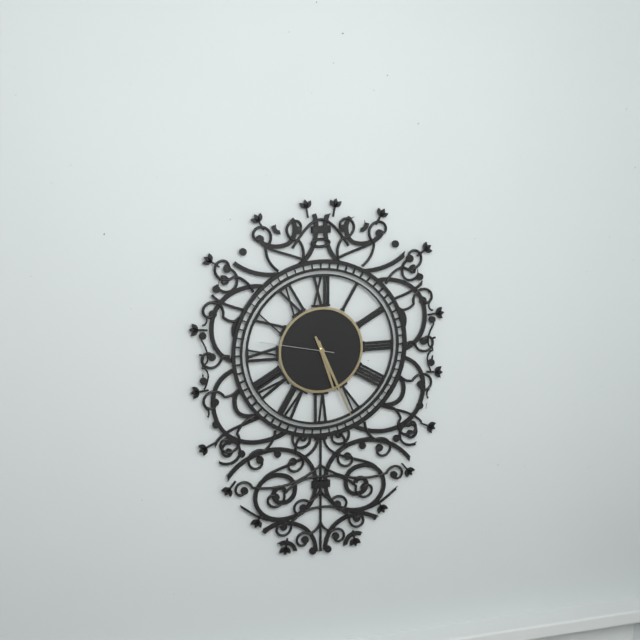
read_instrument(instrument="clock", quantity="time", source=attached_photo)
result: 5:26:47
